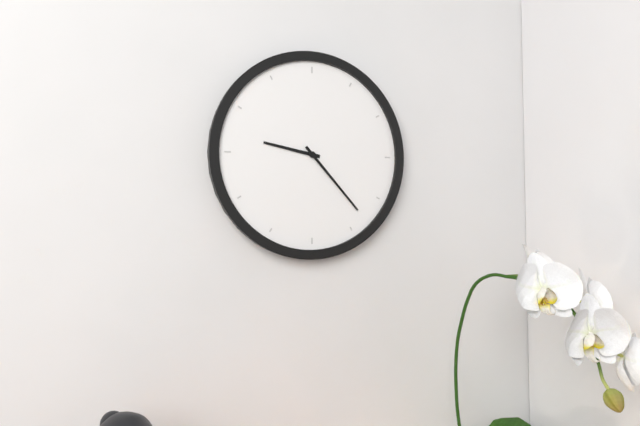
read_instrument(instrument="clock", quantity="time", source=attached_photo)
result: 9:23
